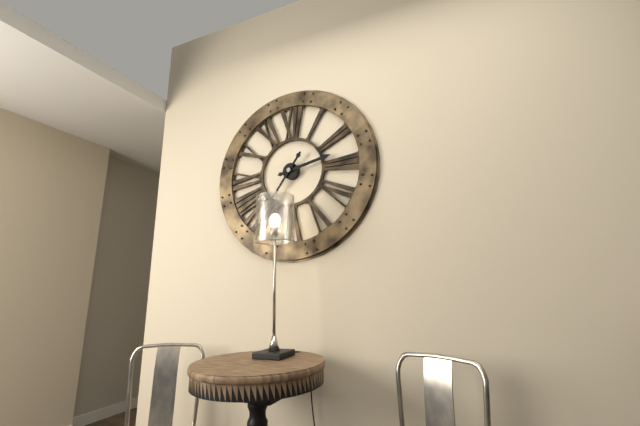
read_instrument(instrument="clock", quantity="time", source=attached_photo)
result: 2:36
